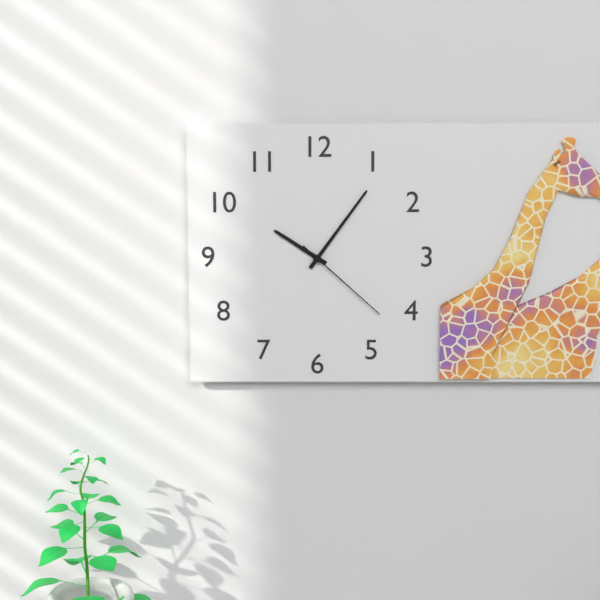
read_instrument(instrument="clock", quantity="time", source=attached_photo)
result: 10:06:22
